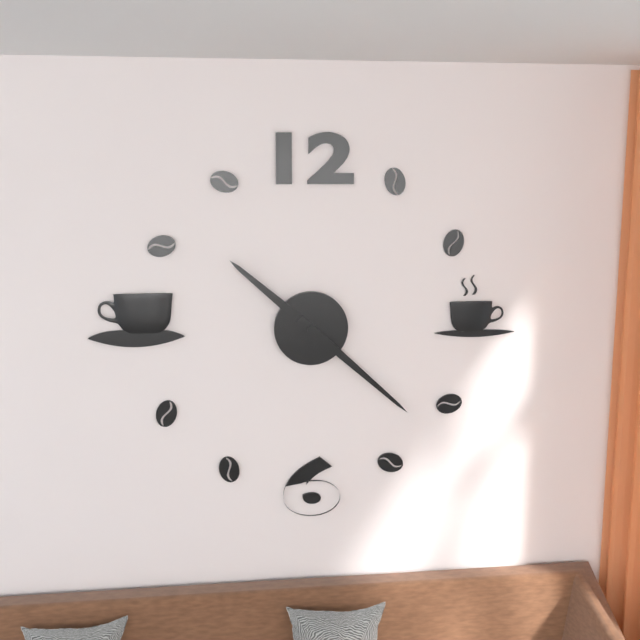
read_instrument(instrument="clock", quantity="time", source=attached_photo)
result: 10:22
